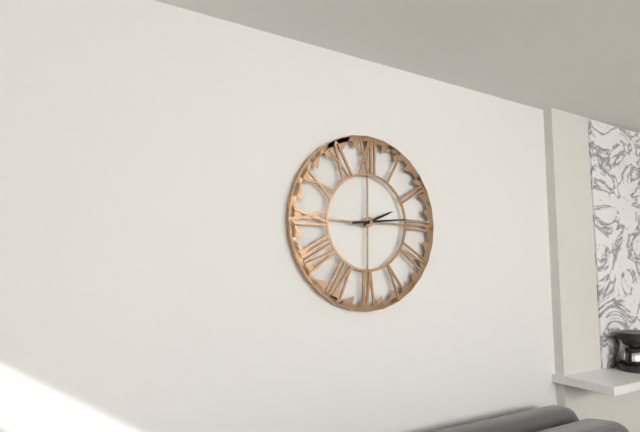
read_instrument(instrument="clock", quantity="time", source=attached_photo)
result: 2:14
